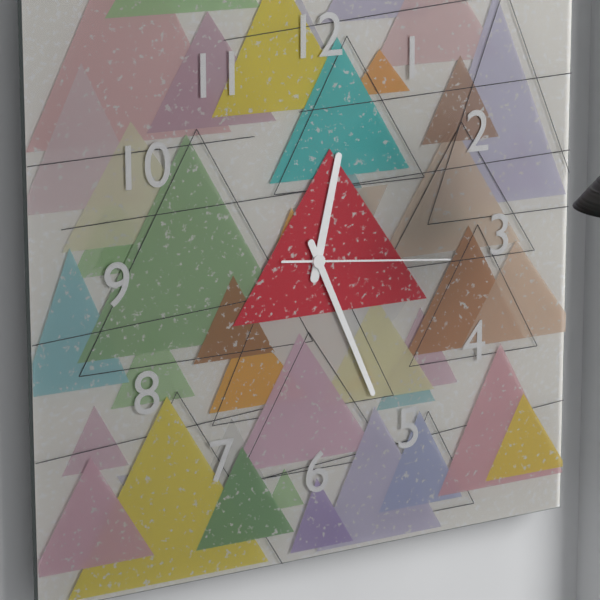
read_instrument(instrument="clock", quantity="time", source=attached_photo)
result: 12:26:16
